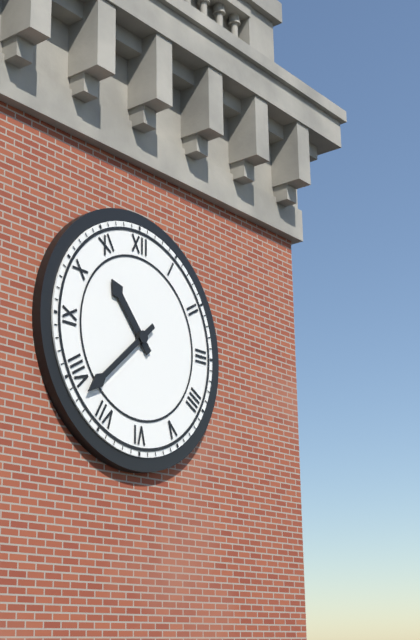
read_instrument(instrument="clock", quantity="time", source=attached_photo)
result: 10:38
